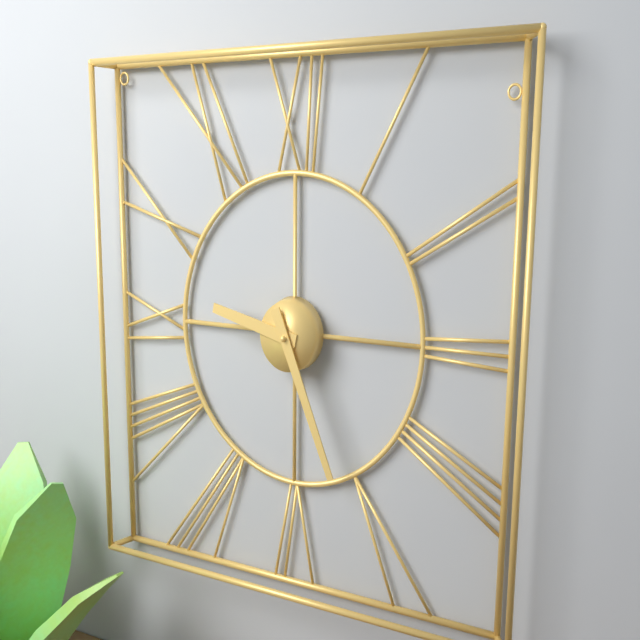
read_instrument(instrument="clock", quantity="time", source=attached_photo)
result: 9:26
